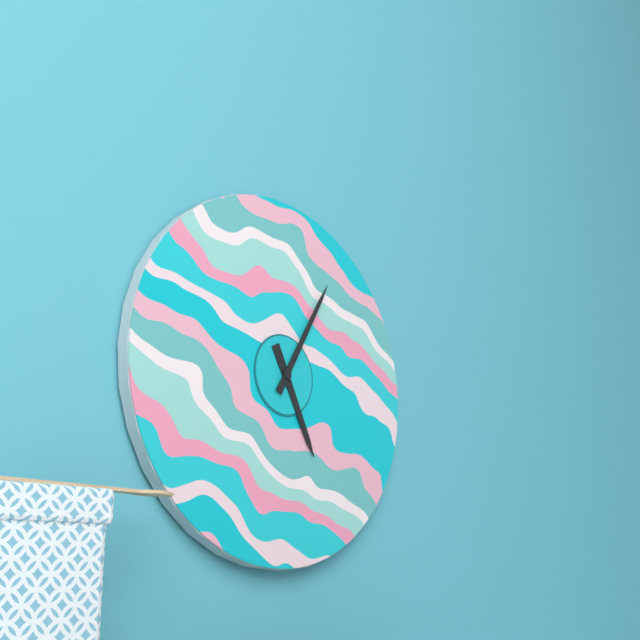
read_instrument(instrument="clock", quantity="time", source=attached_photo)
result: 5:05
